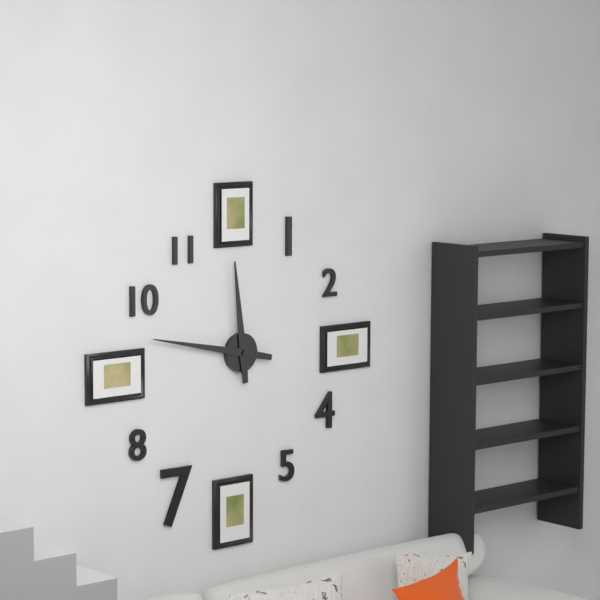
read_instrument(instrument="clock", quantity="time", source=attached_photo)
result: 11:47
